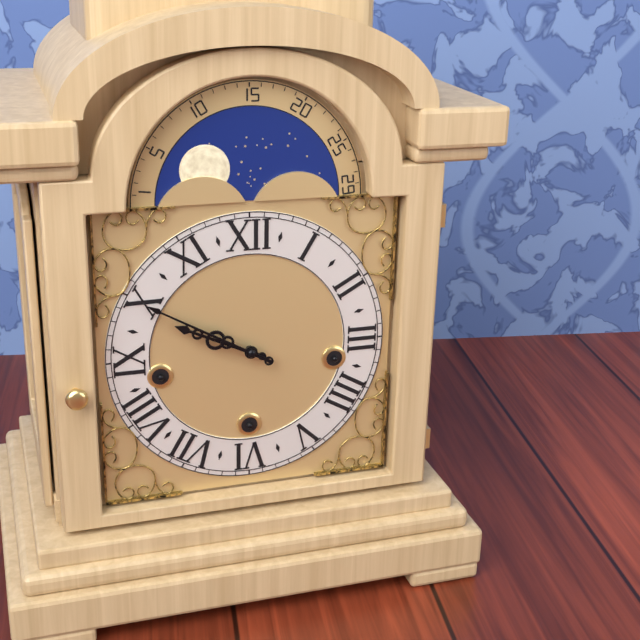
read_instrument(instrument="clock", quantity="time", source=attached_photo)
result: 9:50
